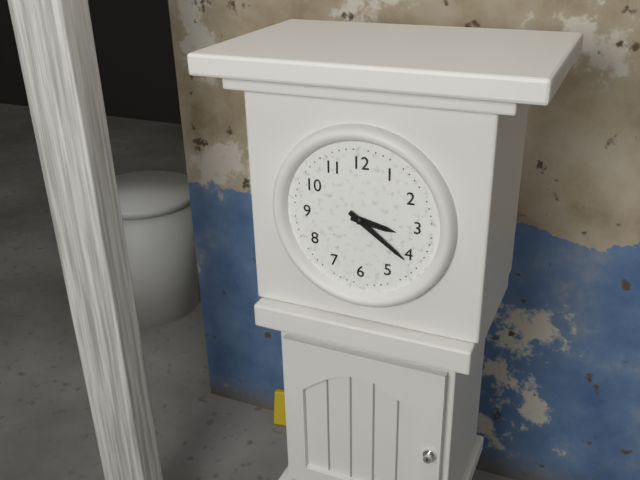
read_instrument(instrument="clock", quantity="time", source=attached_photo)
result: 3:21
